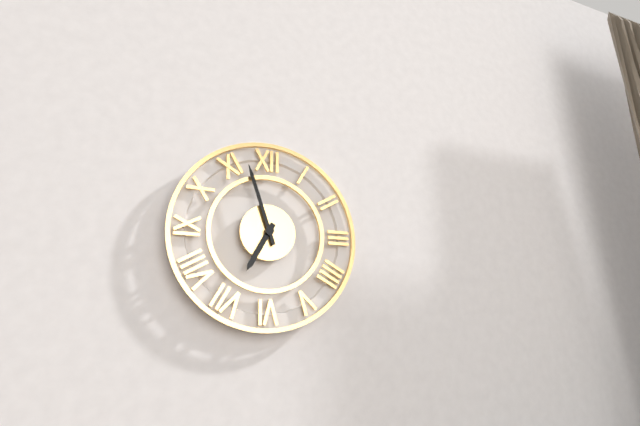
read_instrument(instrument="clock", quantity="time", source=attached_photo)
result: 6:57
